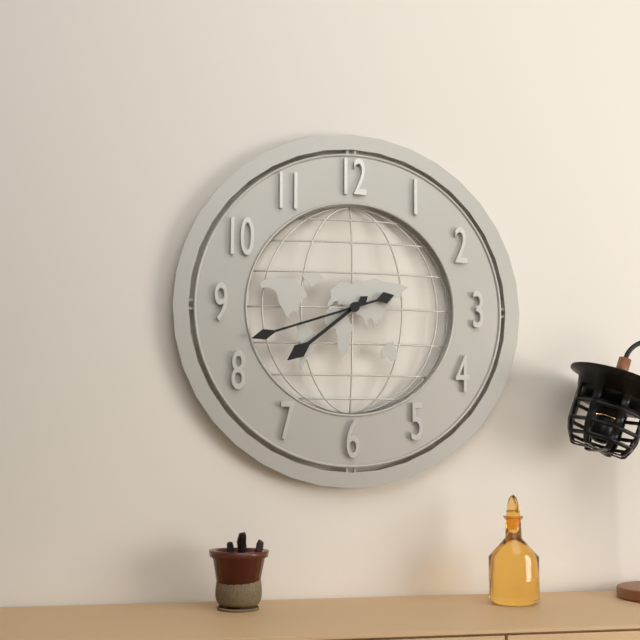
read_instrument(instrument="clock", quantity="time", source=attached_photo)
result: 7:42
